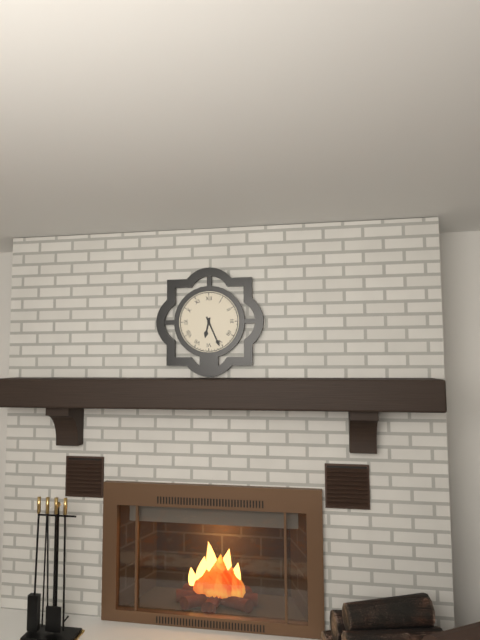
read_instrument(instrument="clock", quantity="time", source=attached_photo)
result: 6:26
